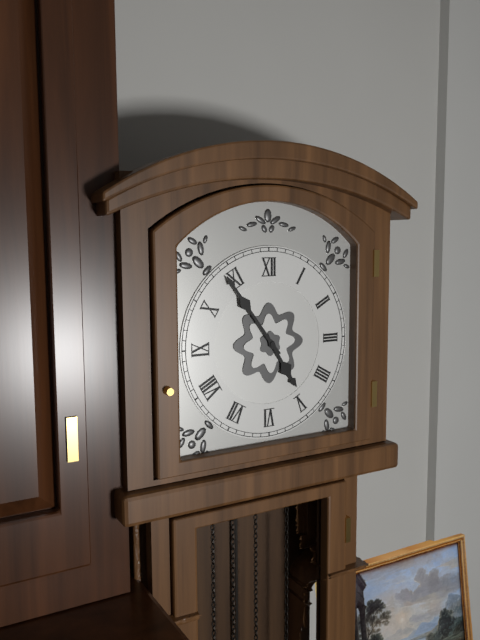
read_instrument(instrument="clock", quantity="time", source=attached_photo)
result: 4:54
